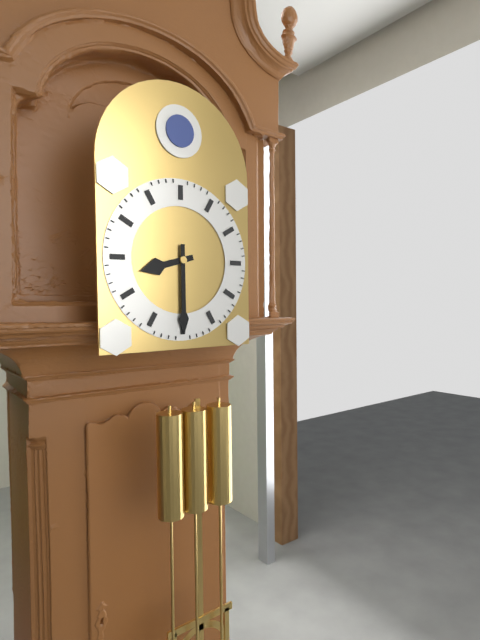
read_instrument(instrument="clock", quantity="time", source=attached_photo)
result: 8:30
